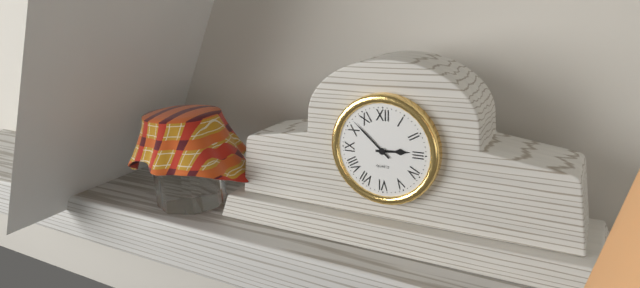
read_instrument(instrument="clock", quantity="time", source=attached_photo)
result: 2:52
